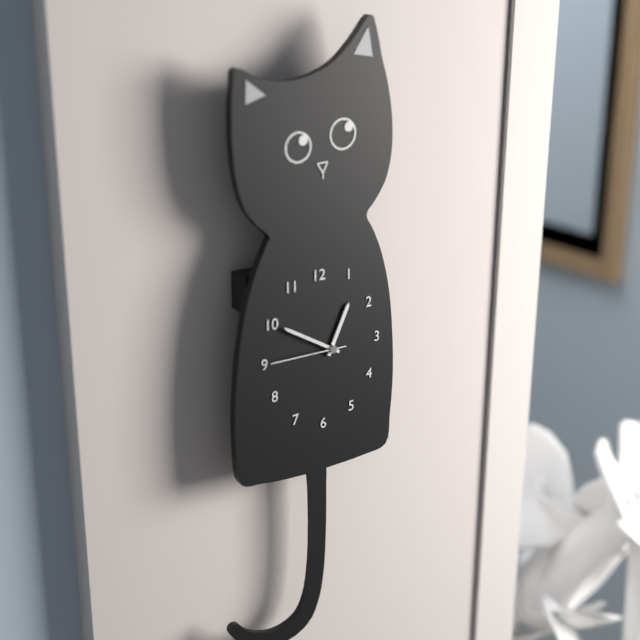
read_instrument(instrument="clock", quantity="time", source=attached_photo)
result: 12:50:45
